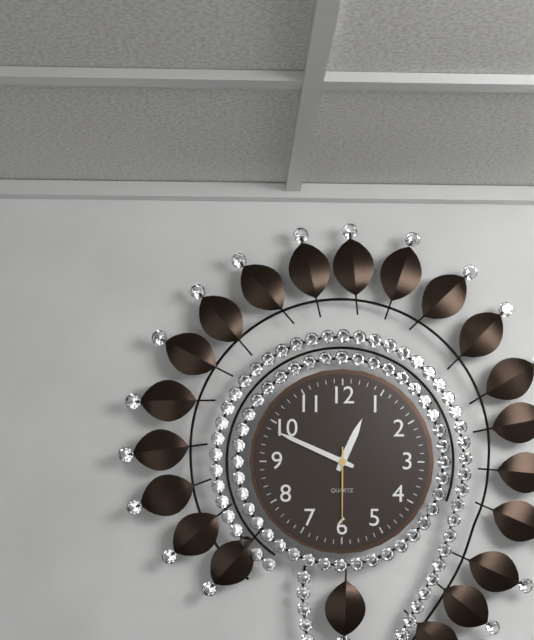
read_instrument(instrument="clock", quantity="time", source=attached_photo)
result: 12:49:30
